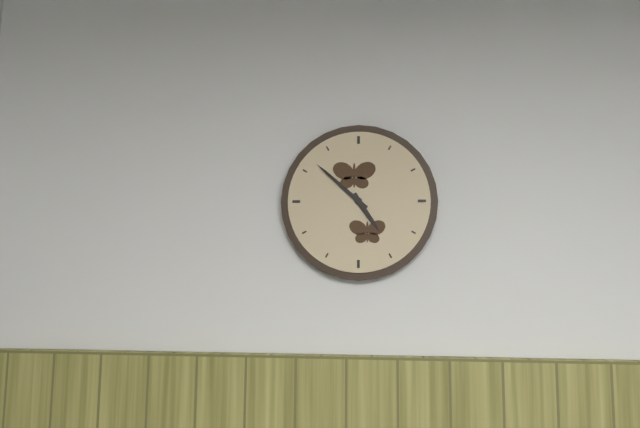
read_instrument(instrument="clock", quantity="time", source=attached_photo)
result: 4:52
